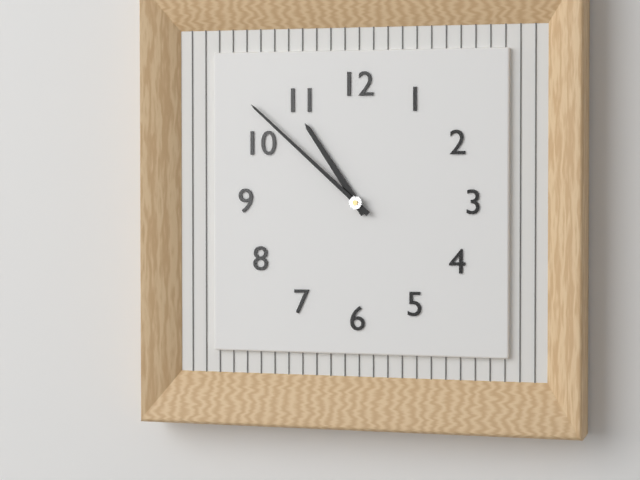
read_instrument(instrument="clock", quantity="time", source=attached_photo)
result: 10:52
